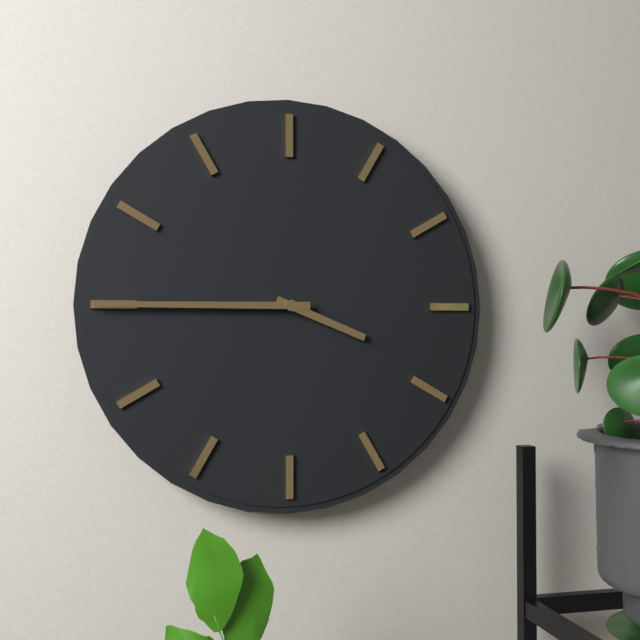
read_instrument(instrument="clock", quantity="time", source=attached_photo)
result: 3:45
